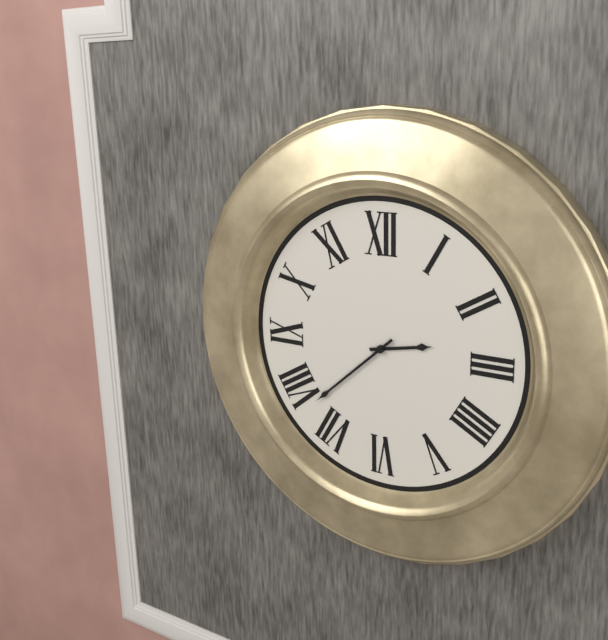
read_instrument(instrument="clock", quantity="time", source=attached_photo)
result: 2:38
